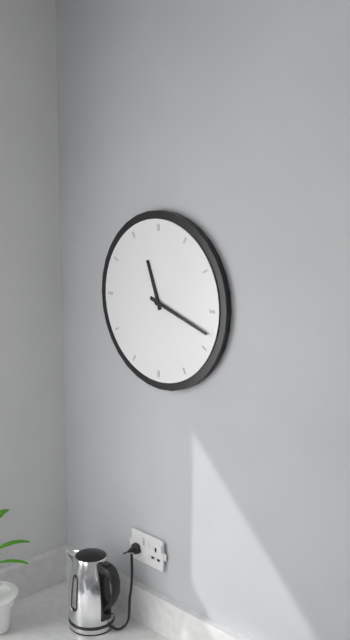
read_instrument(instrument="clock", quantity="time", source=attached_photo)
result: 11:18
